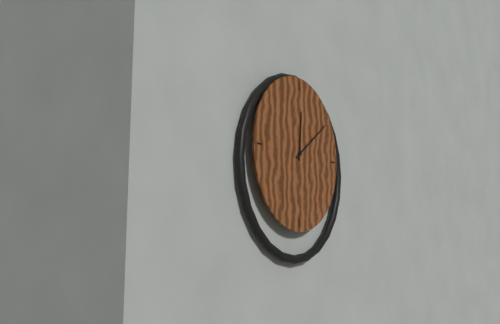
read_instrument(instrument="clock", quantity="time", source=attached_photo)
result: 12:09
